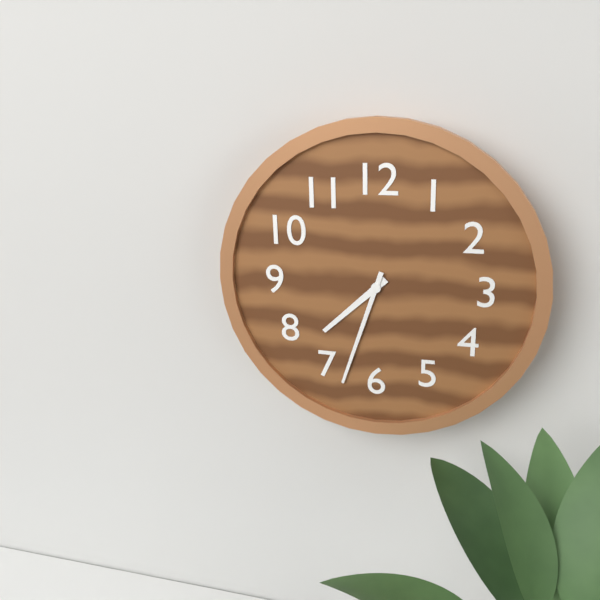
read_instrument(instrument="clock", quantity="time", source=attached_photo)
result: 7:33
